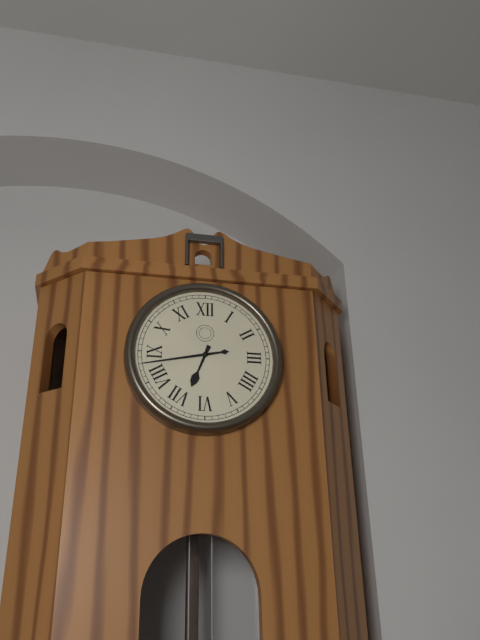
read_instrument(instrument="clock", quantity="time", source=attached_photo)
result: 6:43
